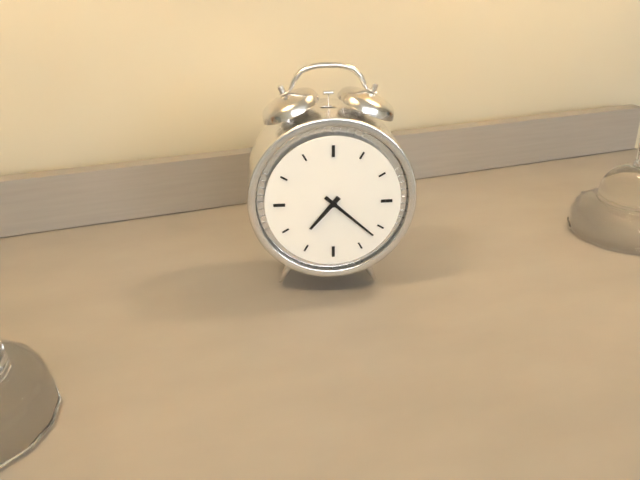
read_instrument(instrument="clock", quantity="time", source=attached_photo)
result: 7:22
